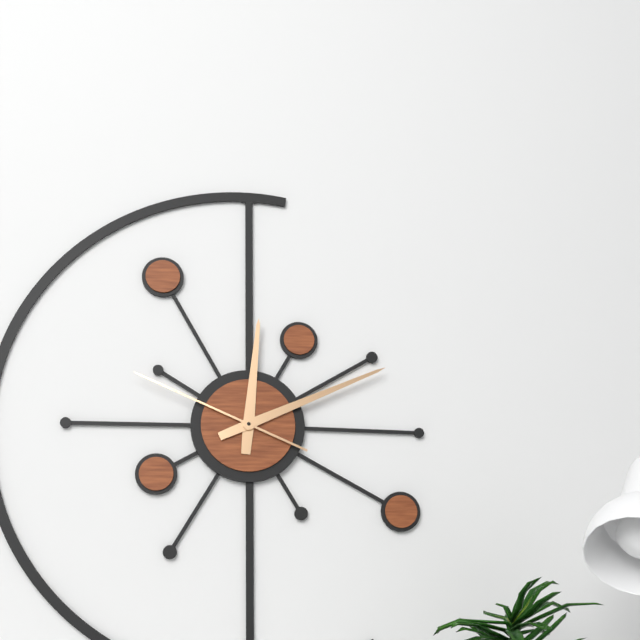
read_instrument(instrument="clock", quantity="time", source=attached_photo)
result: 12:11:49
